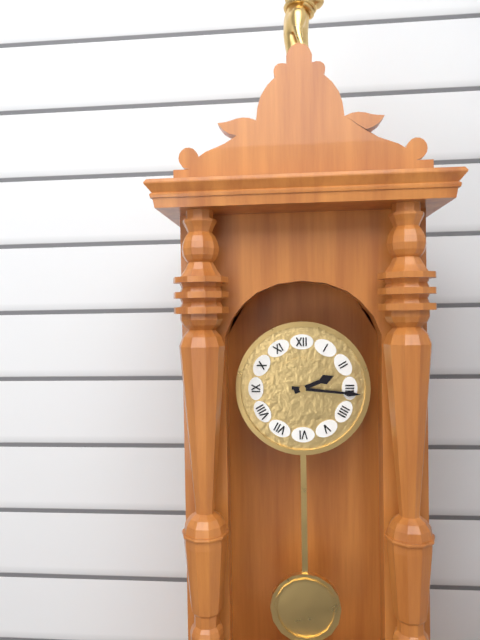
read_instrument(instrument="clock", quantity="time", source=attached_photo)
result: 2:16
